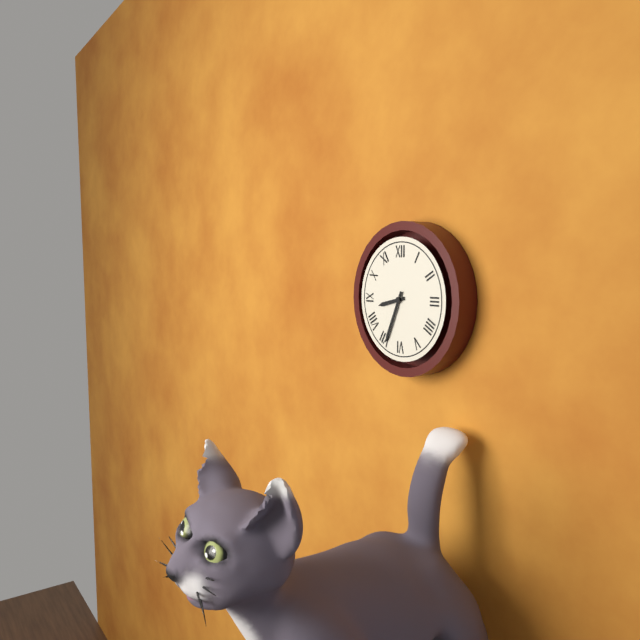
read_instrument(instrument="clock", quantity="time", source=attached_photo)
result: 8:34
